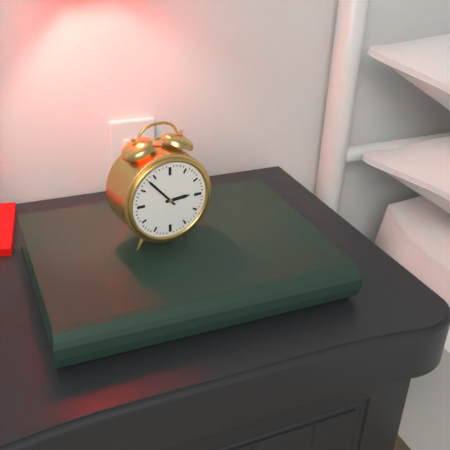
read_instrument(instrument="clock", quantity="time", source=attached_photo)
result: 2:53
